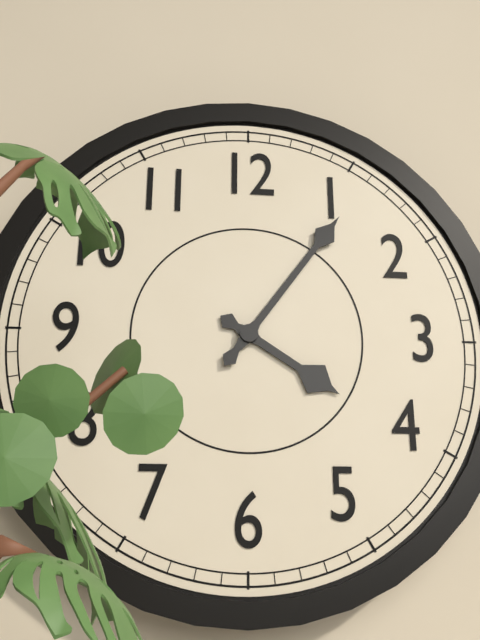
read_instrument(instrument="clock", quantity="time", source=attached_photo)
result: 4:06
